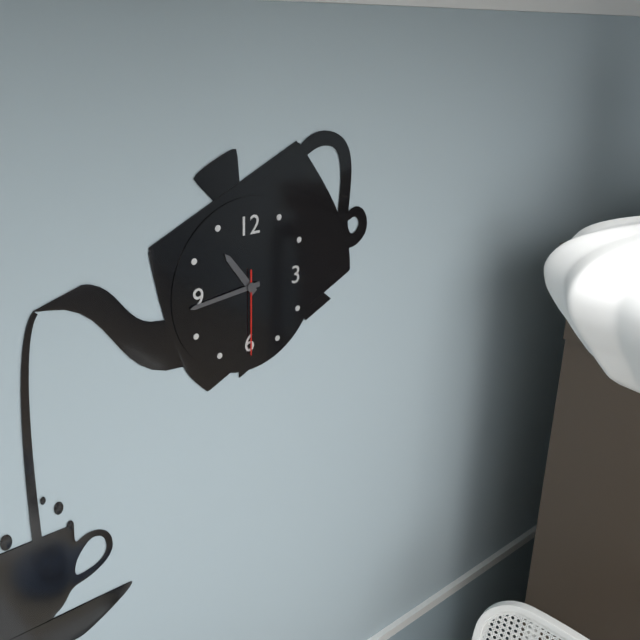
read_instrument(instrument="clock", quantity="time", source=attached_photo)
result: 10:44:30
